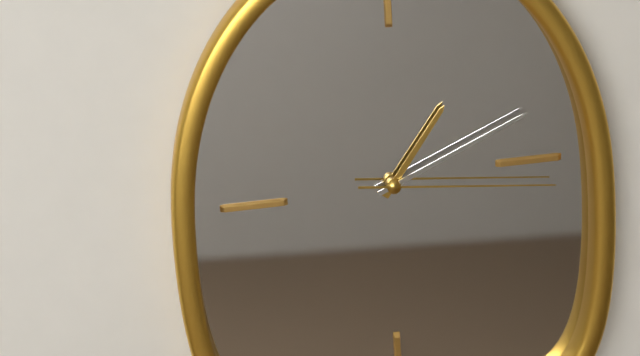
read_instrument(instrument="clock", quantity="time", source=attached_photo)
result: 1:11:16
